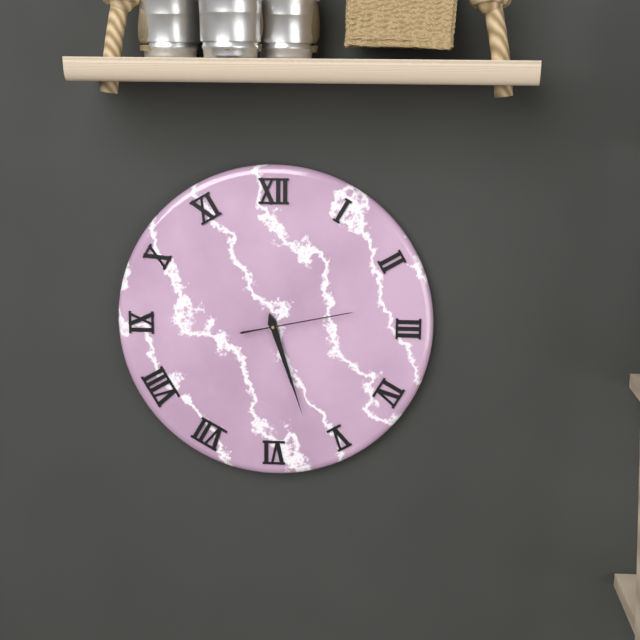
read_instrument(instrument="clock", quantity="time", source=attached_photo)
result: 5:27:13
